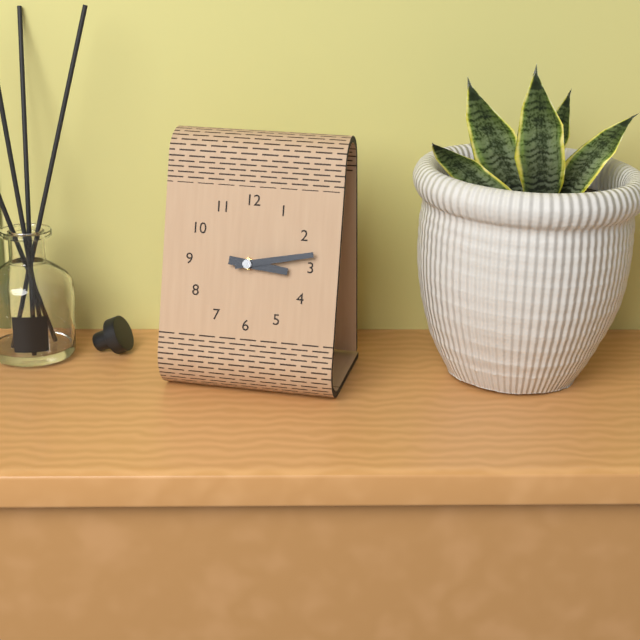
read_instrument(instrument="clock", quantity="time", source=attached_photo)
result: 3:13
